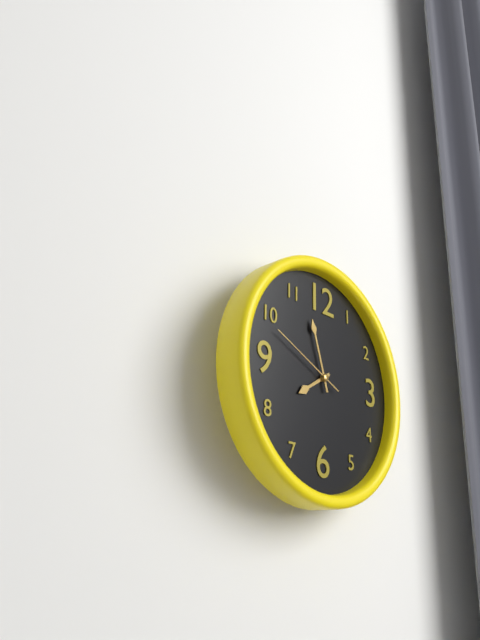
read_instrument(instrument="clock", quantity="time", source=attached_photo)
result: 7:57:49
